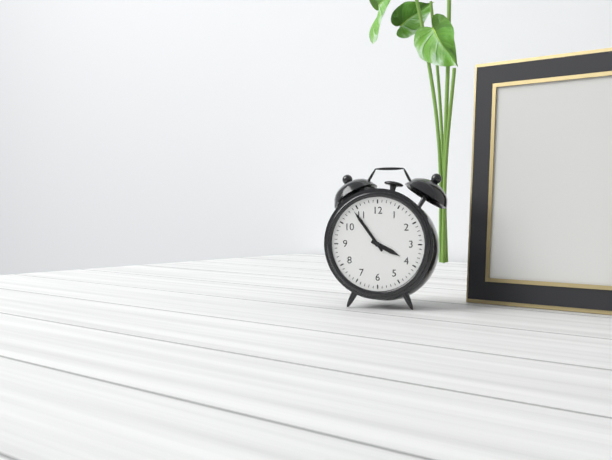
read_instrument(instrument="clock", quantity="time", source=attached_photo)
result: 3:54
